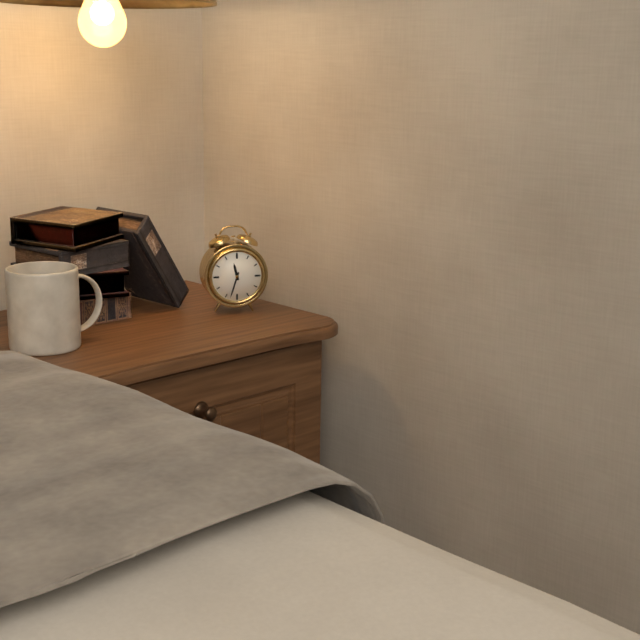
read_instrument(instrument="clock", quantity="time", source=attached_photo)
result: 11:33
